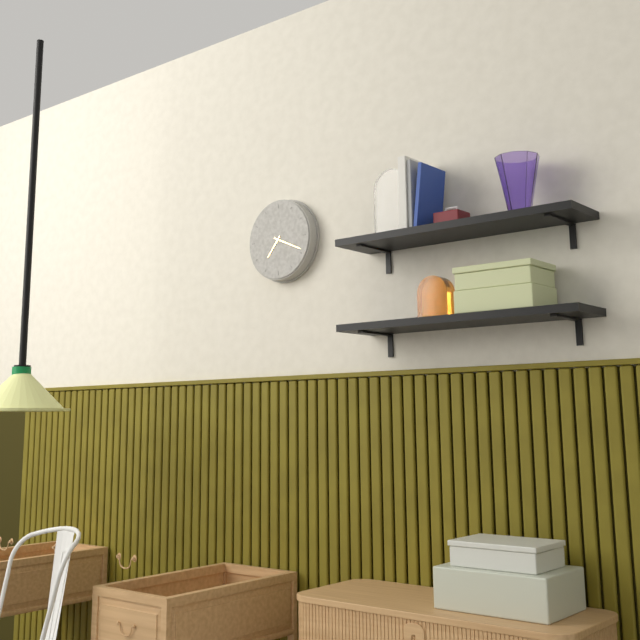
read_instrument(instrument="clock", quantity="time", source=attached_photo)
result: 7:19
